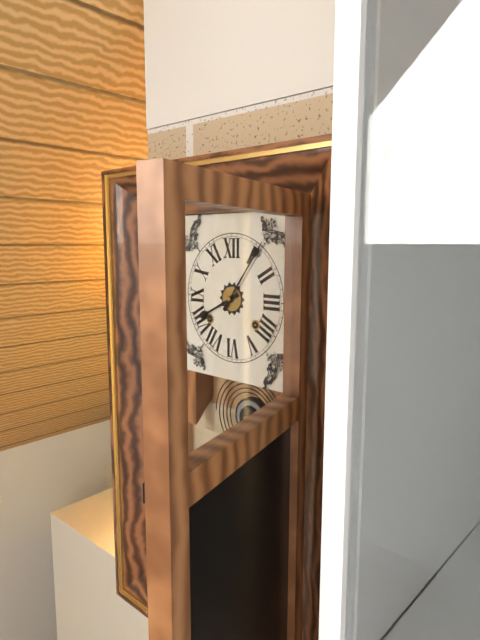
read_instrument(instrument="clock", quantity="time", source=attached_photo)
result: 8:06
